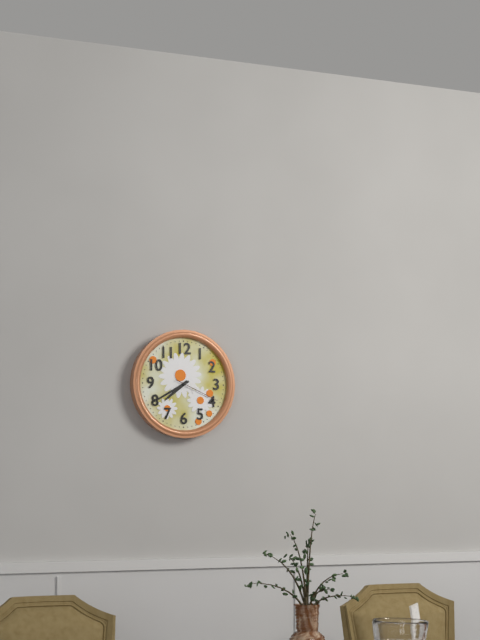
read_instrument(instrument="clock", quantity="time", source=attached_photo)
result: 7:40
